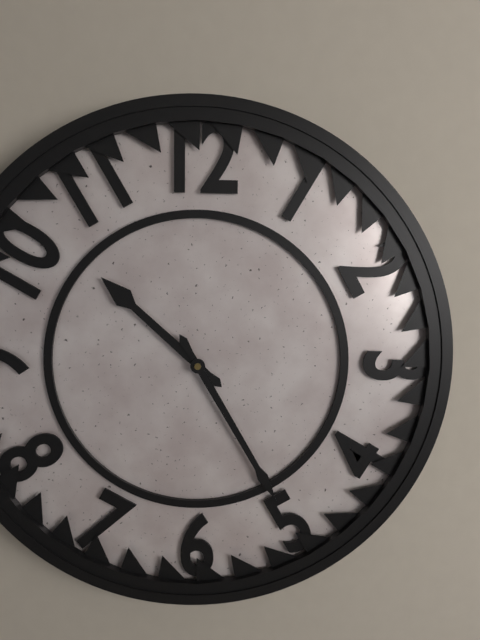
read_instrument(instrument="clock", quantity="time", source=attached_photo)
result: 10:25
